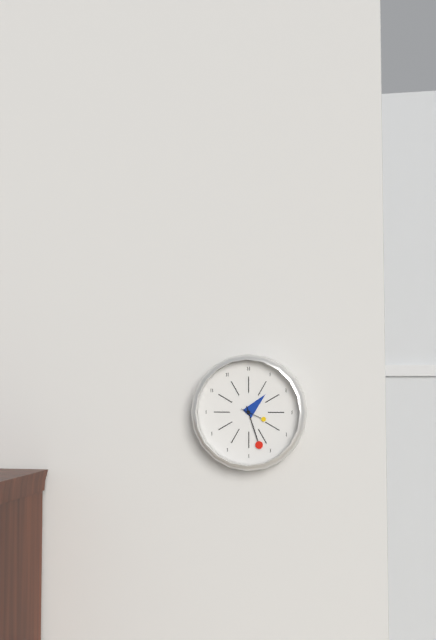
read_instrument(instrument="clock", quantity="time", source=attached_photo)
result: 1:27
